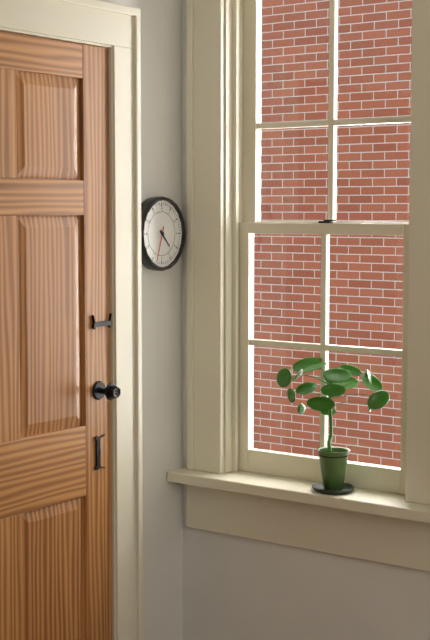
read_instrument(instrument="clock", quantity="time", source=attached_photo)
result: 4:33
